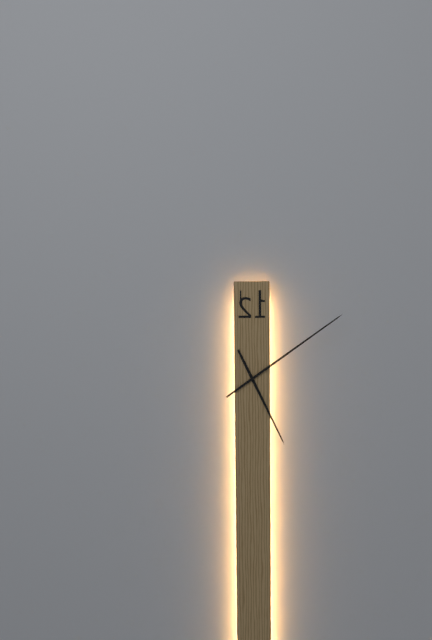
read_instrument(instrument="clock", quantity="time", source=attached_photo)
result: 5:09
